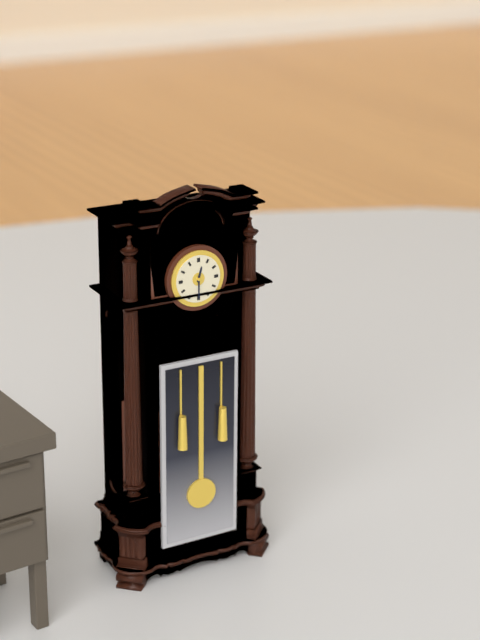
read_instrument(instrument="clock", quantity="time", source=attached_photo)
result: 12:30
